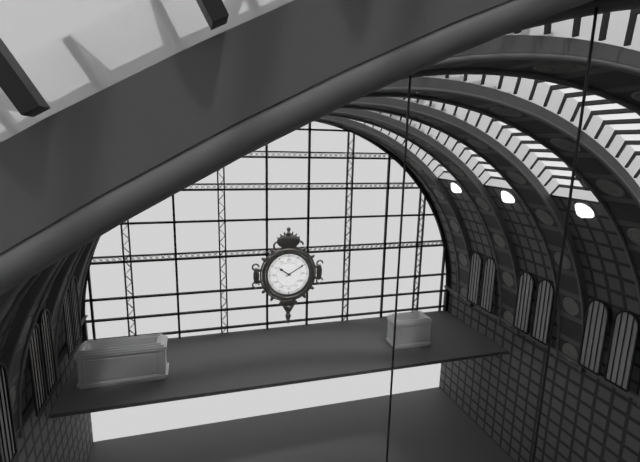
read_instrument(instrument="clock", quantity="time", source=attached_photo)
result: 10:10
